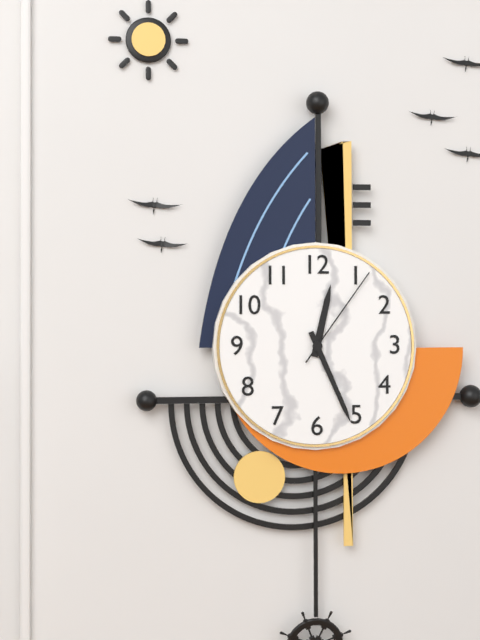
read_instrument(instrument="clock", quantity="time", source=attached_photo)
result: 12:26:06
